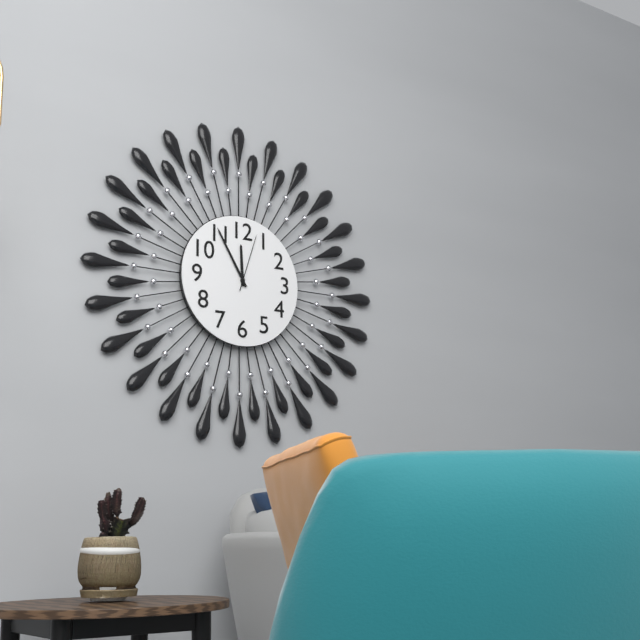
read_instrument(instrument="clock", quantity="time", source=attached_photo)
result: 11:55:03
